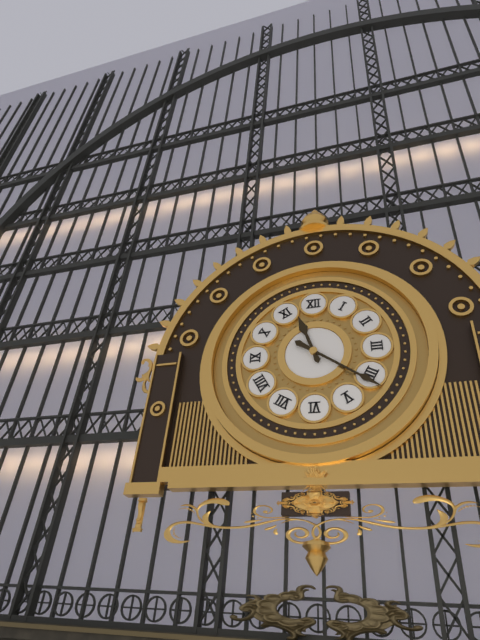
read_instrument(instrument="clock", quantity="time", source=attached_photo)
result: 11:21
